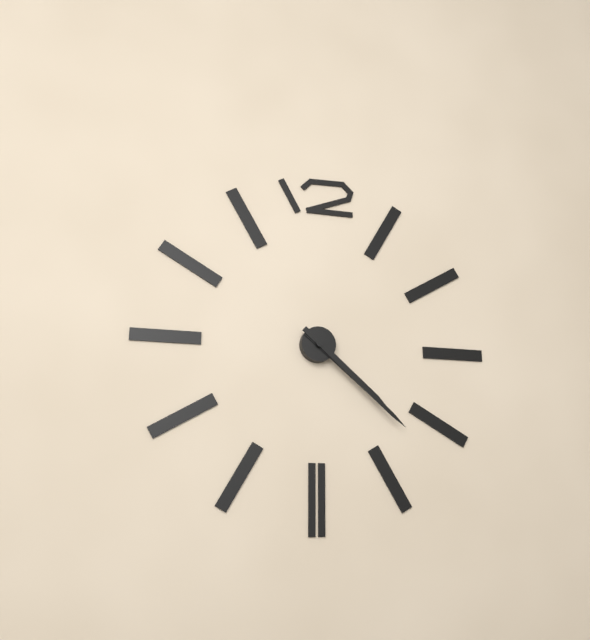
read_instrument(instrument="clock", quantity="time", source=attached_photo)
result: 4:22
